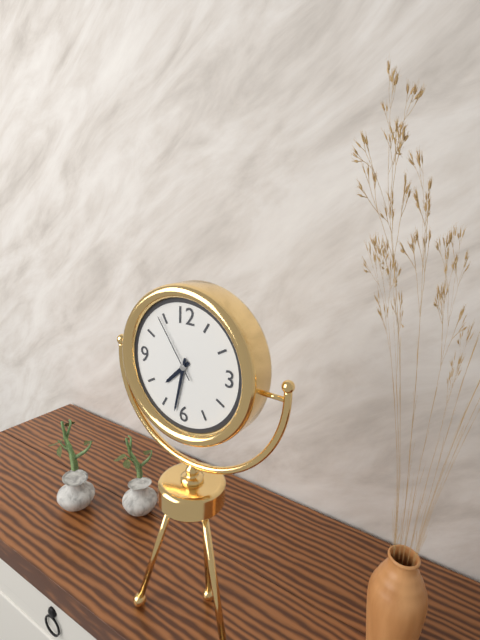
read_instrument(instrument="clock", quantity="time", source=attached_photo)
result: 7:32:54
